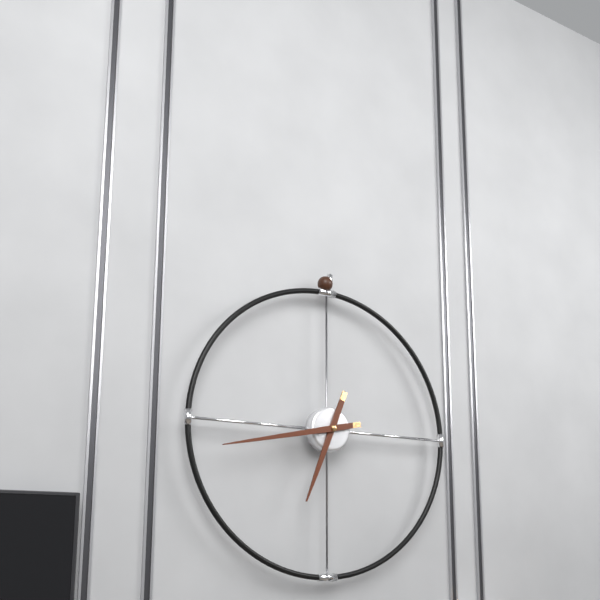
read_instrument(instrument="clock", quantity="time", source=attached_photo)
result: 6:43
